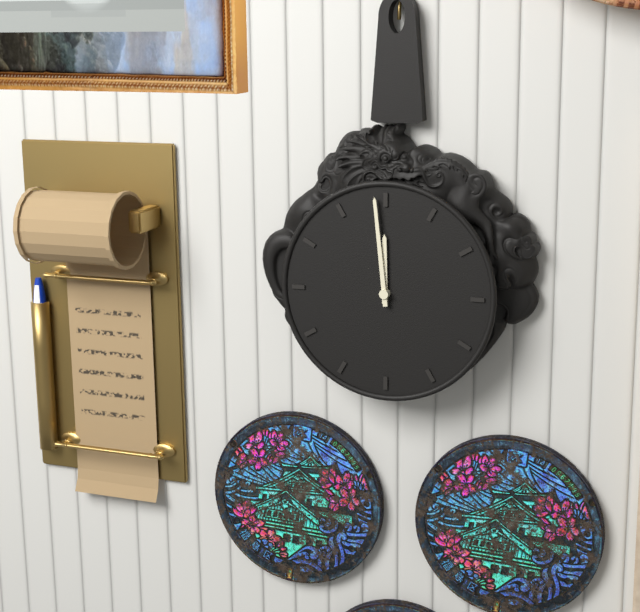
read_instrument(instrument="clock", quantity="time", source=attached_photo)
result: 11:59
